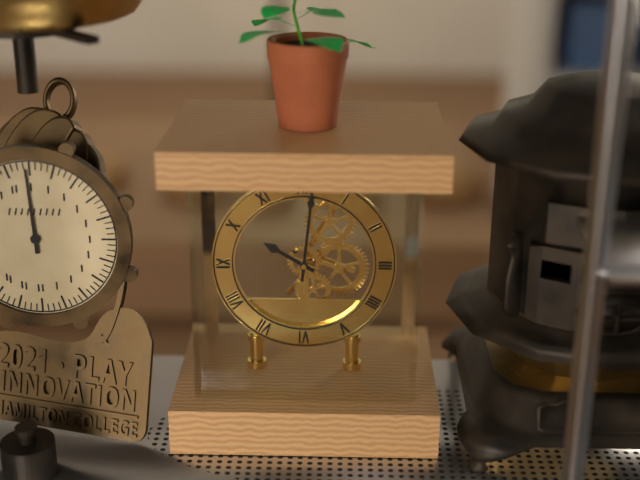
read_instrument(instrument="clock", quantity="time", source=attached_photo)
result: 10:01
